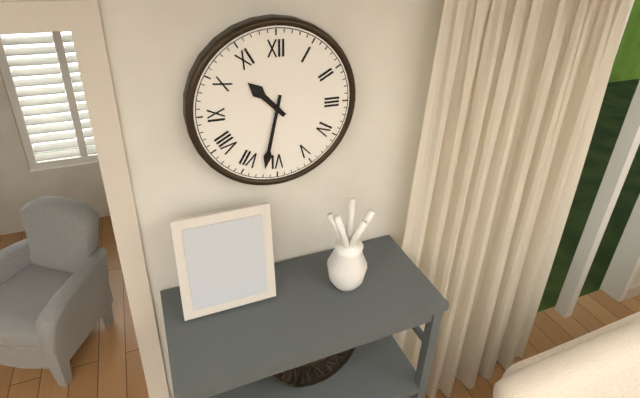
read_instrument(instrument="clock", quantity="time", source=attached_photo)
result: 10:32
